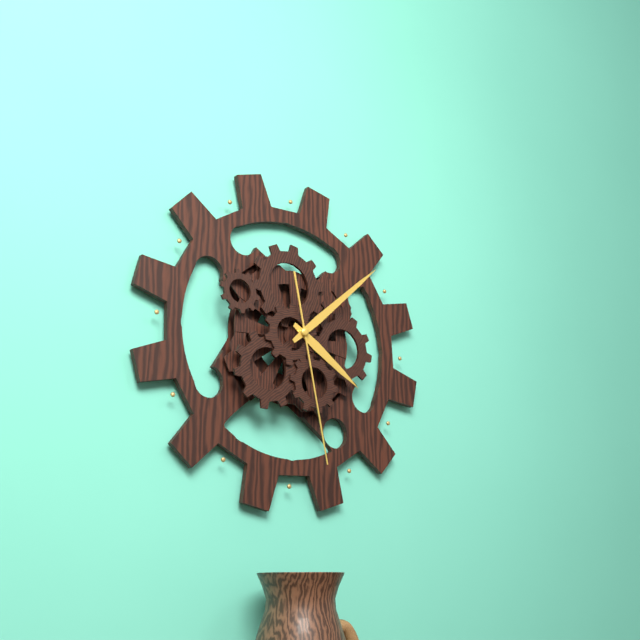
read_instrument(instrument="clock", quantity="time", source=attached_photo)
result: 4:08:28
